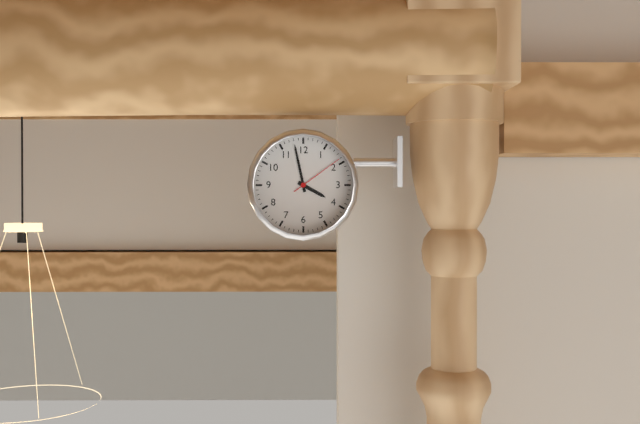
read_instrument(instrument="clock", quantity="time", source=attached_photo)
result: 3:58:09
